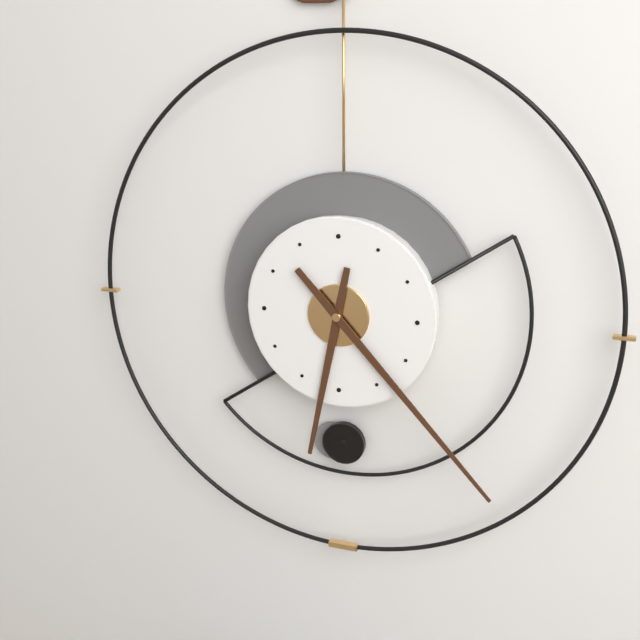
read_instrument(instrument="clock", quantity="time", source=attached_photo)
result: 6:23
